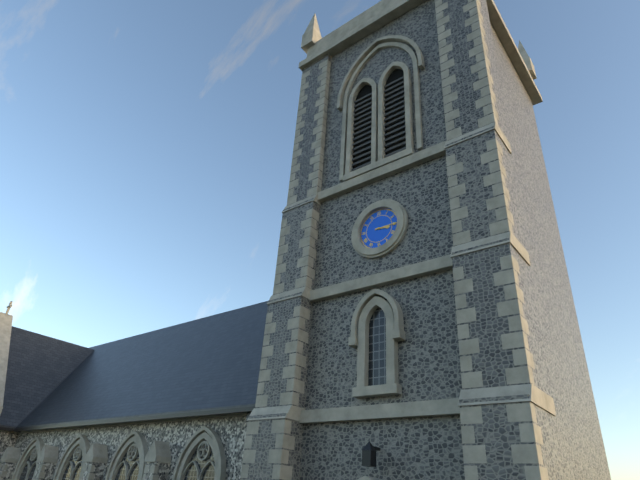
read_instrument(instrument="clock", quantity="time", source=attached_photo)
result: 3:15
